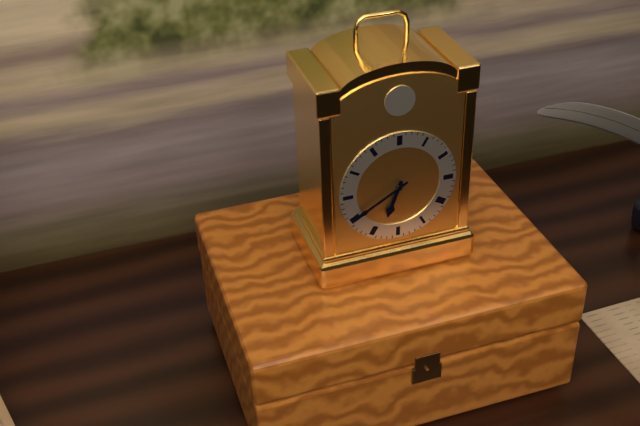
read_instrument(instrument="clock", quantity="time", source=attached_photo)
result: 6:40
